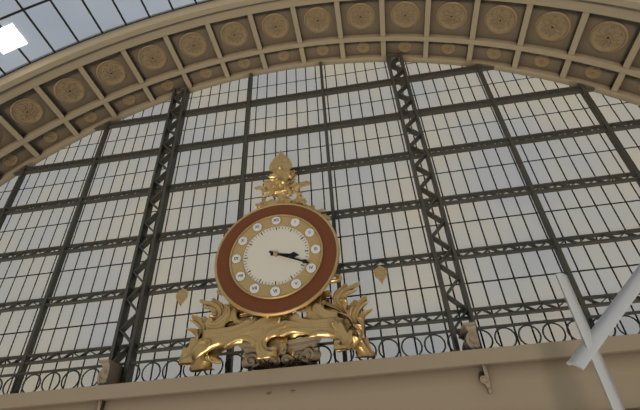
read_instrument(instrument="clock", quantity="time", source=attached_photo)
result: 3:19
